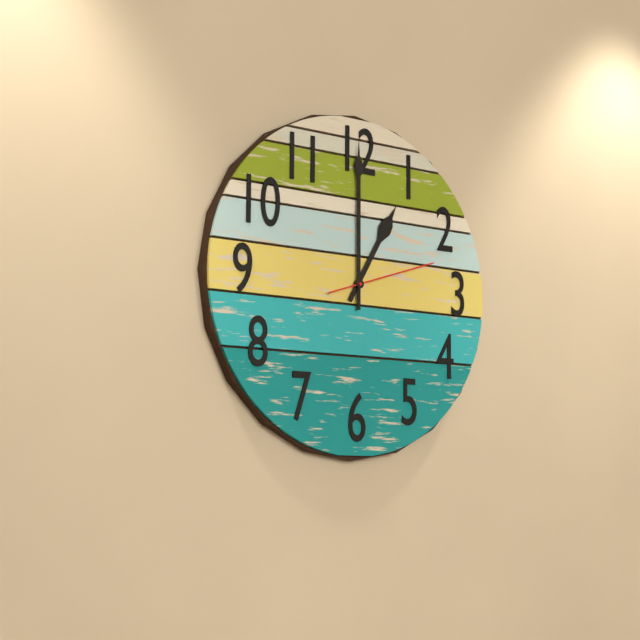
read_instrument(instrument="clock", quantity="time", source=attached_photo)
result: 1:00:12
